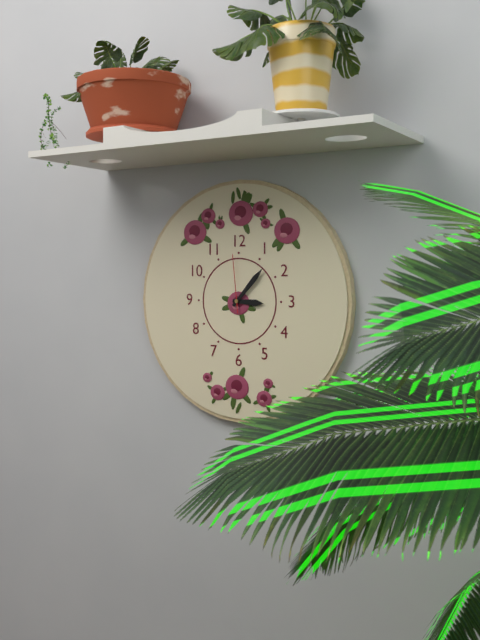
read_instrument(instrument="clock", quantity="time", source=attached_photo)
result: 3:07:59
